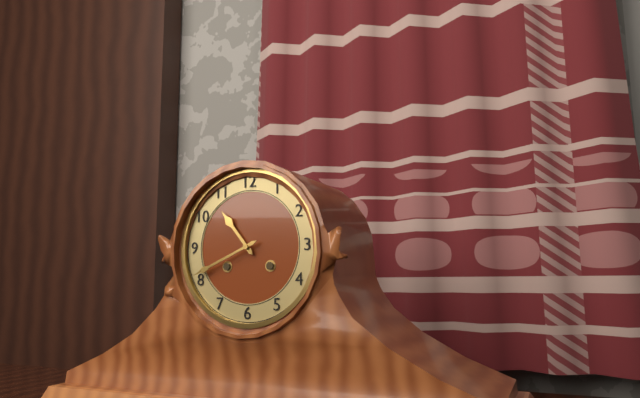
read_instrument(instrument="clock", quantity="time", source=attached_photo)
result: 10:41
